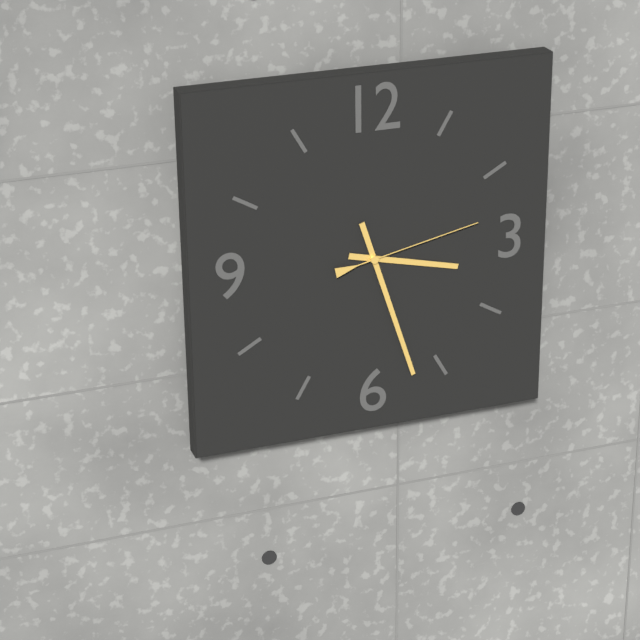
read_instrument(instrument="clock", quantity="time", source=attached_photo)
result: 3:27:13
